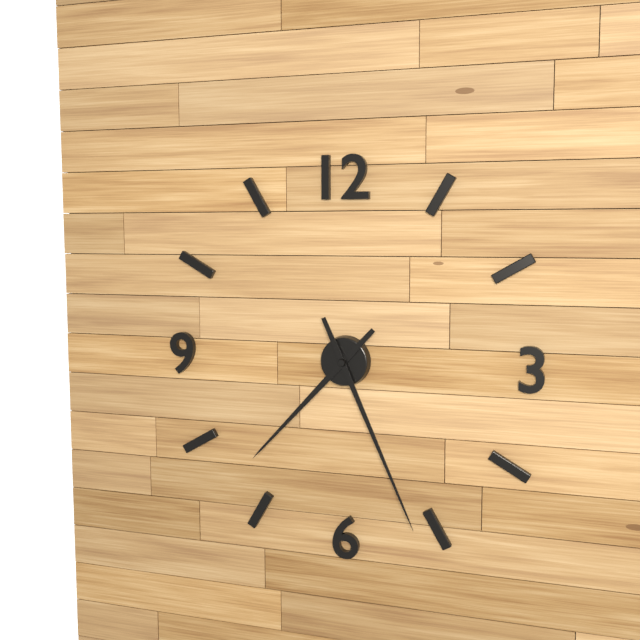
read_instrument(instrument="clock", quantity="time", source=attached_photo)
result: 7:26
